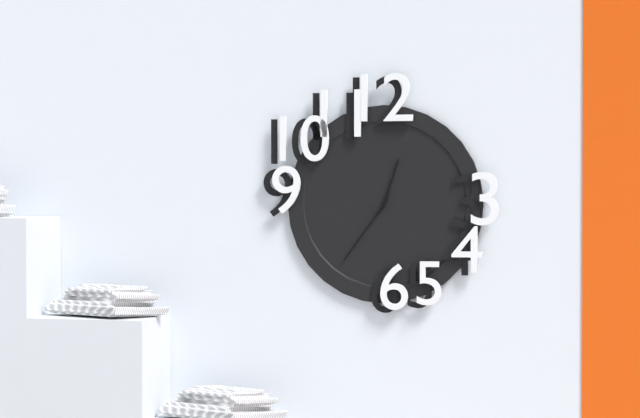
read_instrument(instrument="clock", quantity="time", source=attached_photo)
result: 12:36
